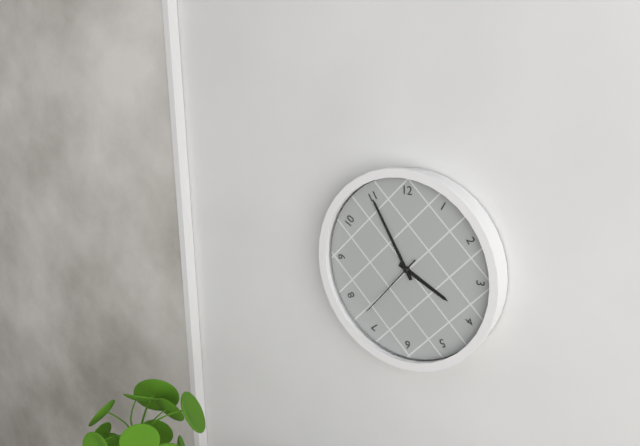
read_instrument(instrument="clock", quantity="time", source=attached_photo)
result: 3:55:37
